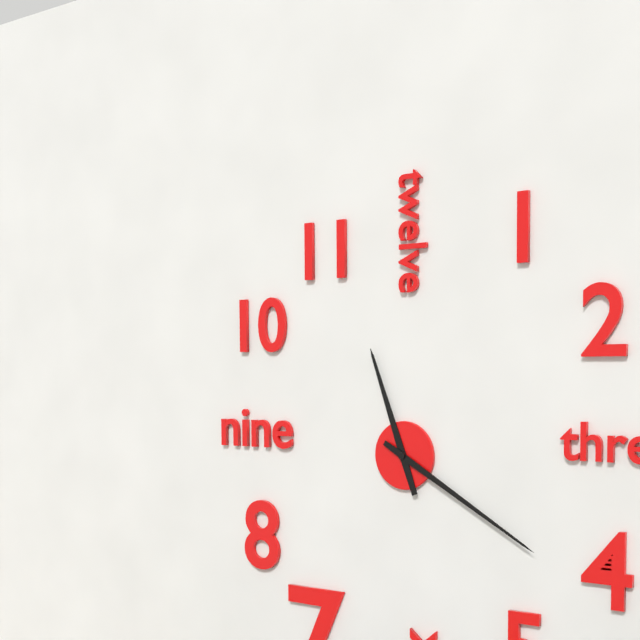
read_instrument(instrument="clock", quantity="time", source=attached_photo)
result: 11:20
